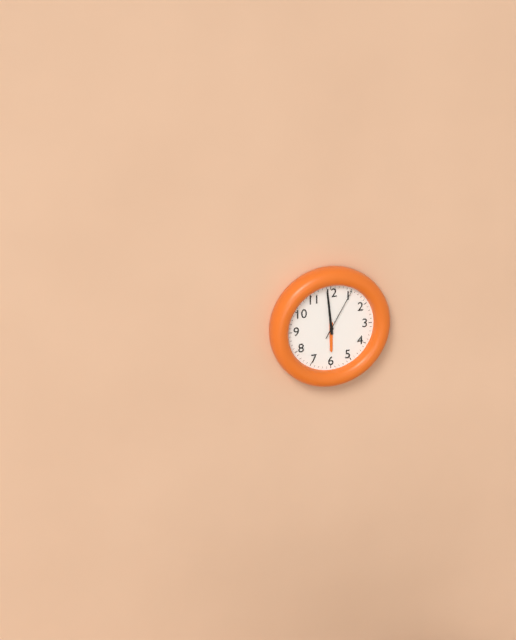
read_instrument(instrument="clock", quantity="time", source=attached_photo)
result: 5:59:05
